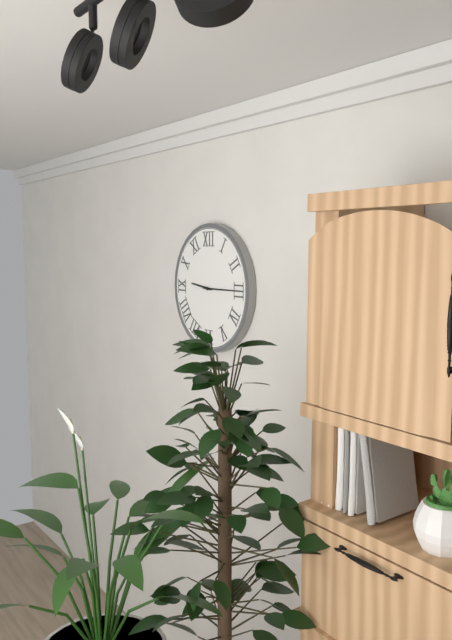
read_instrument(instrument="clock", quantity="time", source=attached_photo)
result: 9:15
